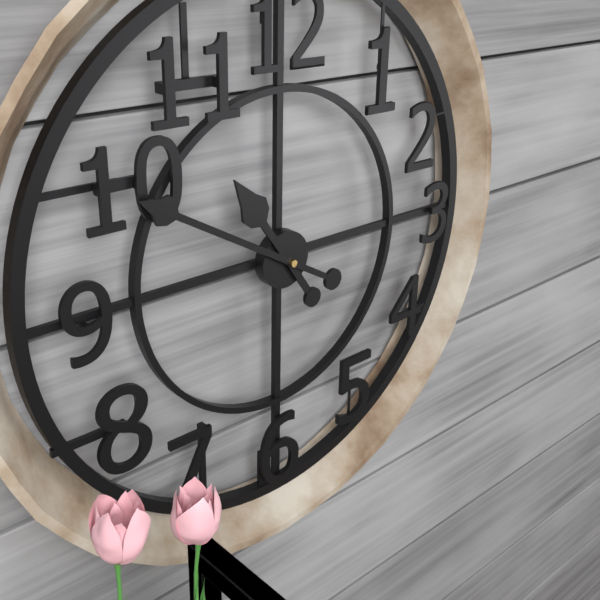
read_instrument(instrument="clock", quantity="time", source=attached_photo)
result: 10:50
